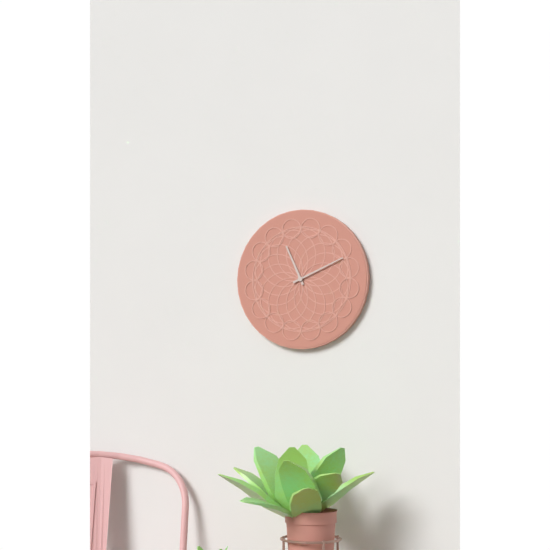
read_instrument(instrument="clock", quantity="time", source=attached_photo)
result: 11:11
